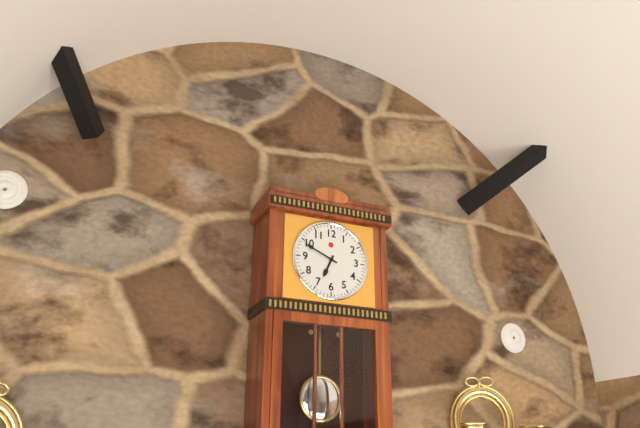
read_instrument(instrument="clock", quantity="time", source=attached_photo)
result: 6:49
